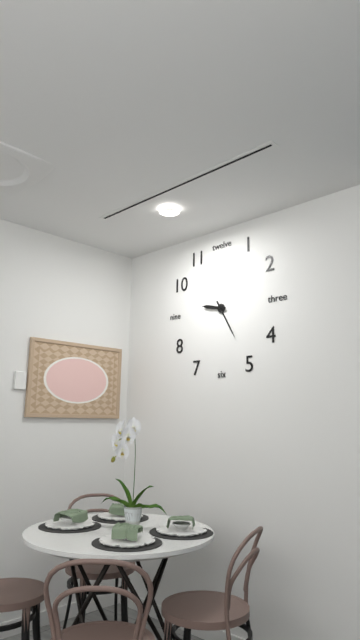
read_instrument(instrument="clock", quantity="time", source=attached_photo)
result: 9:25
